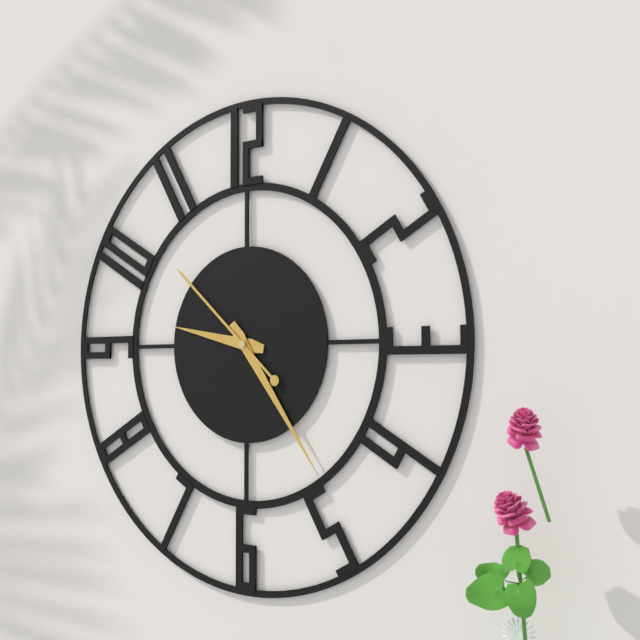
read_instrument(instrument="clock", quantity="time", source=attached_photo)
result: 9:24:52
